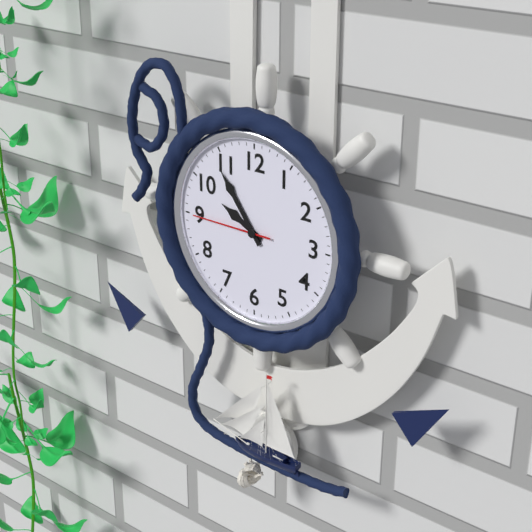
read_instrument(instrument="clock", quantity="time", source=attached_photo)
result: 9:54:45
